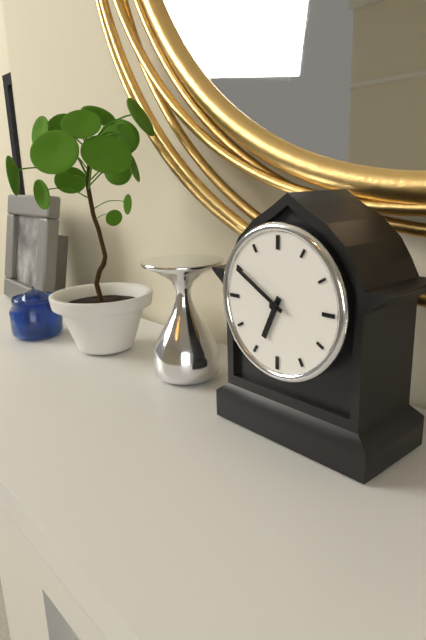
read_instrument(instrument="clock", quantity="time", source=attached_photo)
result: 6:50
